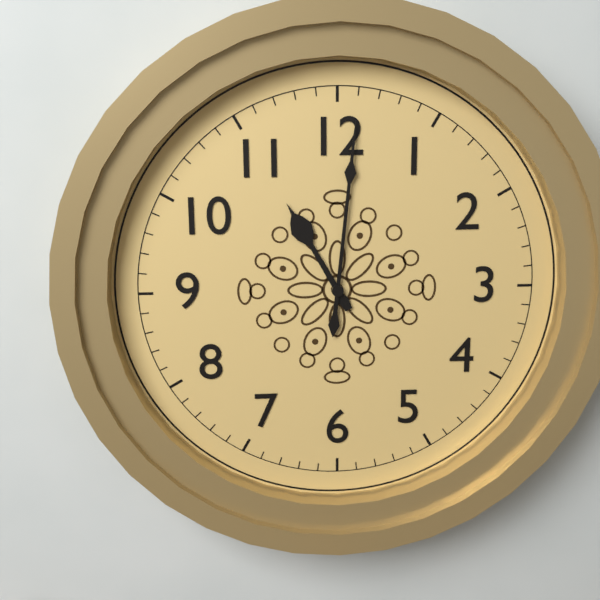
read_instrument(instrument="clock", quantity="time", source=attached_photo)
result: 11:01
